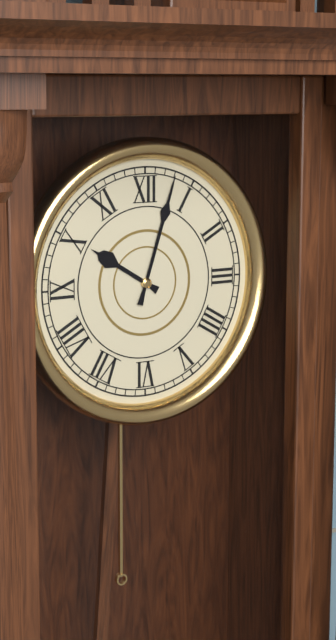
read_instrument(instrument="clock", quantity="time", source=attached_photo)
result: 10:03
